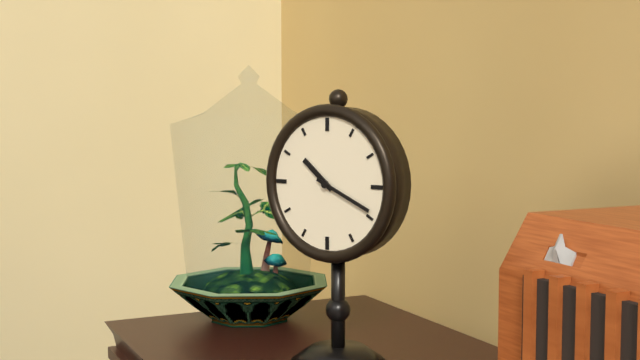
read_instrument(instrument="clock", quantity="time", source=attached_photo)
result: 10:19
